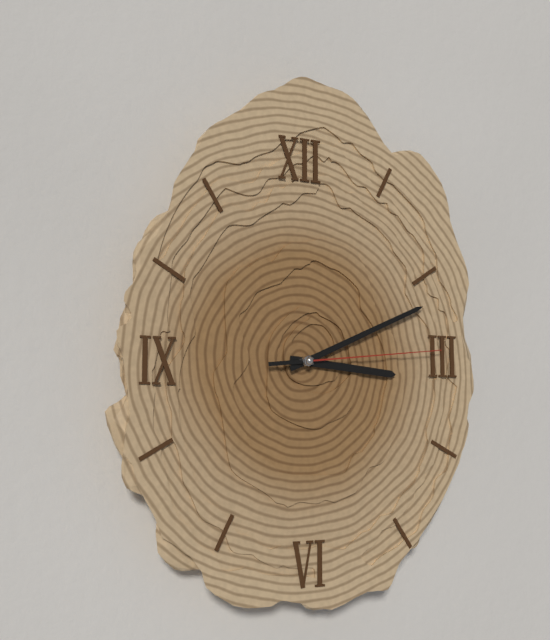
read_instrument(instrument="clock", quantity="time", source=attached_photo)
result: 3:11:14
